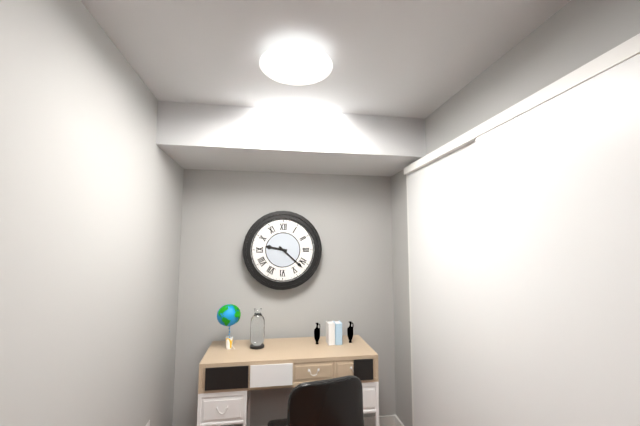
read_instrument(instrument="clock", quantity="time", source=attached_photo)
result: 9:22
